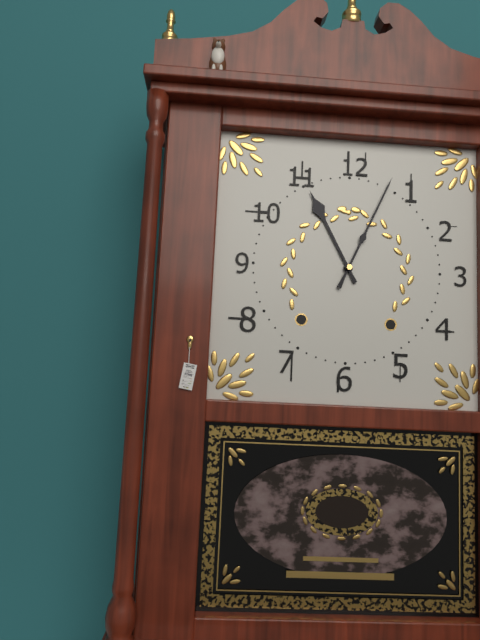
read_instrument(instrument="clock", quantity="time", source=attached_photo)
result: 11:04
